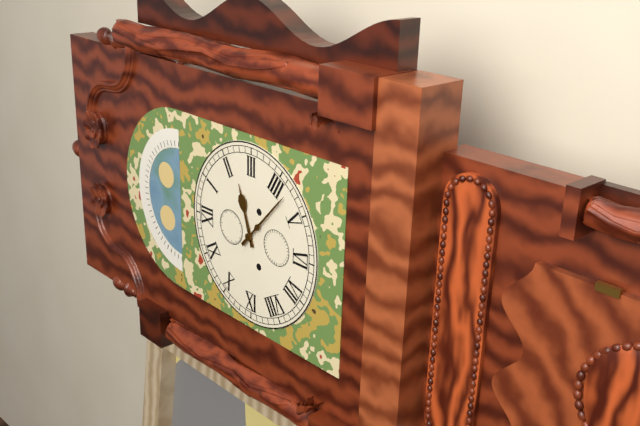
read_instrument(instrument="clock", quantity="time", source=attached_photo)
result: 2:22
